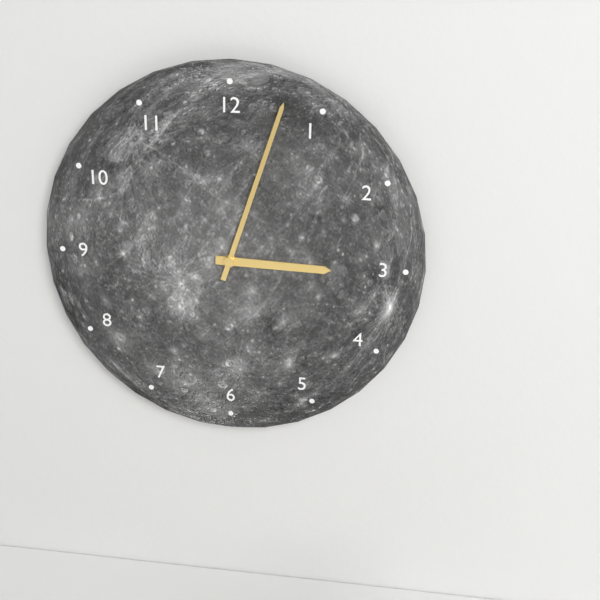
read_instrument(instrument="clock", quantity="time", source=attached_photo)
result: 3:03
